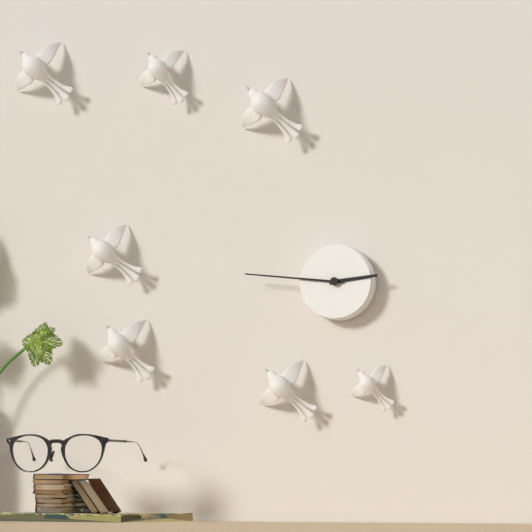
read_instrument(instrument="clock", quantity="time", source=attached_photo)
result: 2:46
